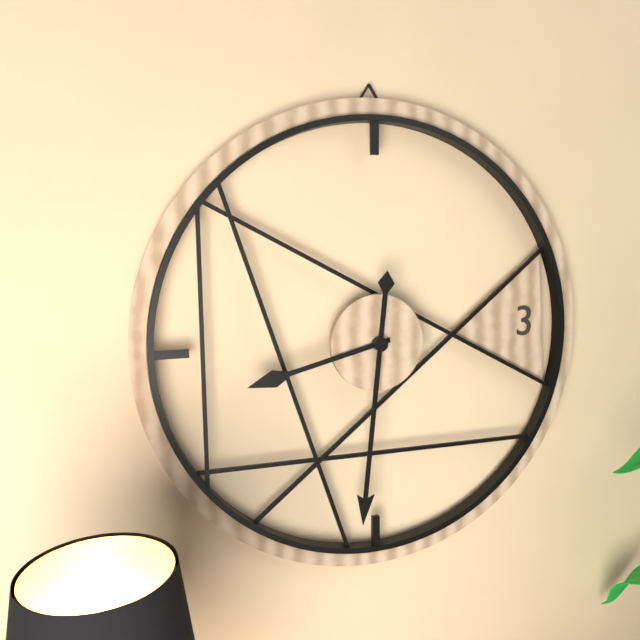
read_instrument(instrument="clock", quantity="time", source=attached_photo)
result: 8:31
